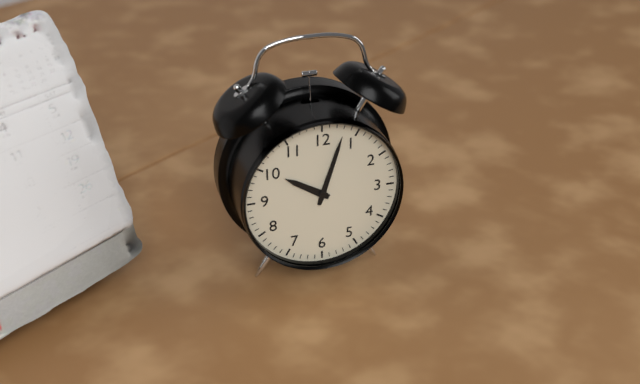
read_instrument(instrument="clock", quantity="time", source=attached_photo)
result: 10:03
